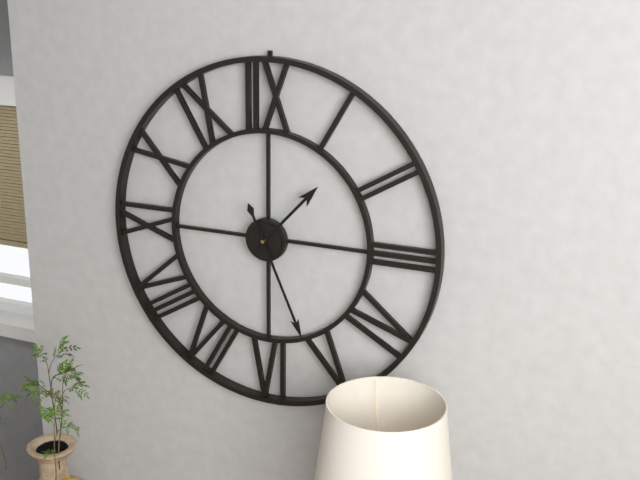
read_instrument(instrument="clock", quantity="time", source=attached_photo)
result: 1:26
